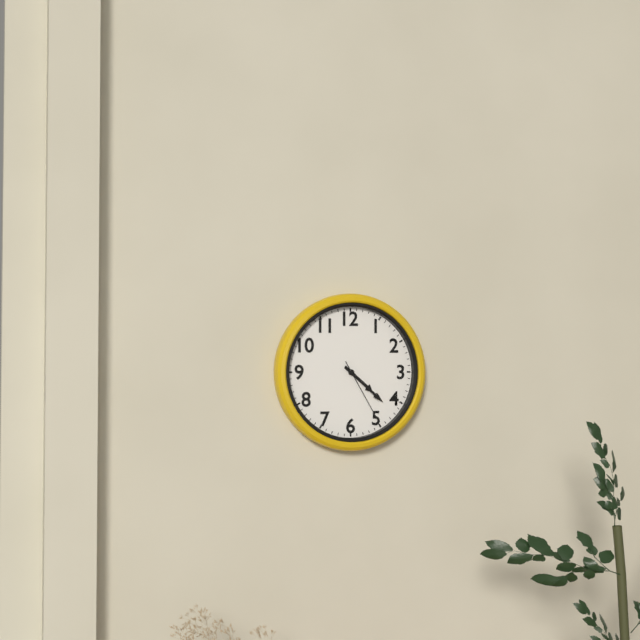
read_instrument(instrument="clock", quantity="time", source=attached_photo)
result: 4:22:25
